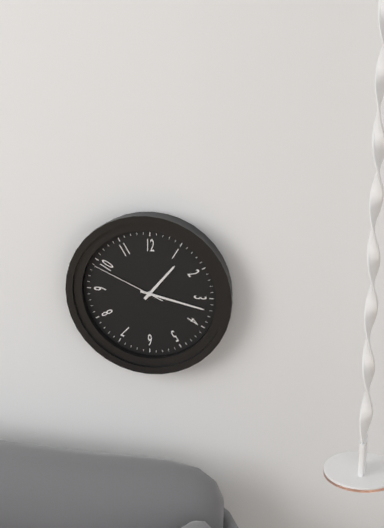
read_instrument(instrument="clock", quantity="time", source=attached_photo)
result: 1:17:49
